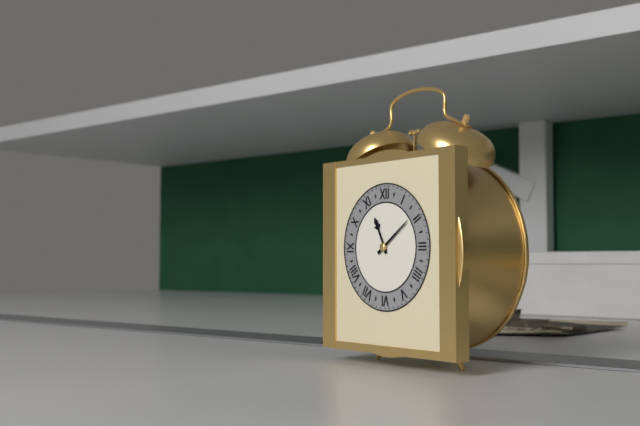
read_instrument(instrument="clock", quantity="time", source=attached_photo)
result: 11:09
